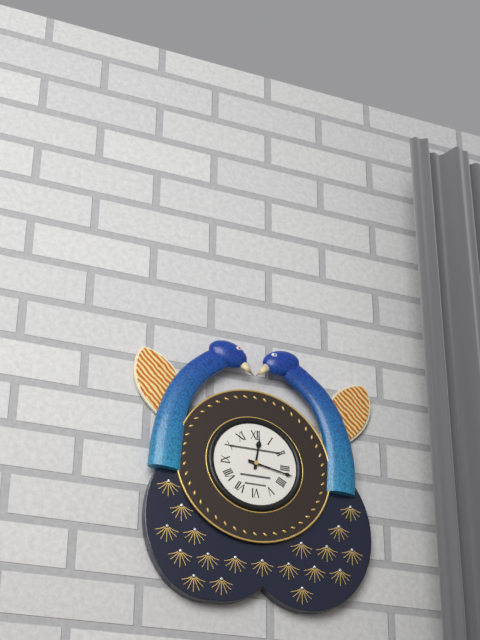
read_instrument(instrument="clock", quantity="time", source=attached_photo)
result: 12:17
